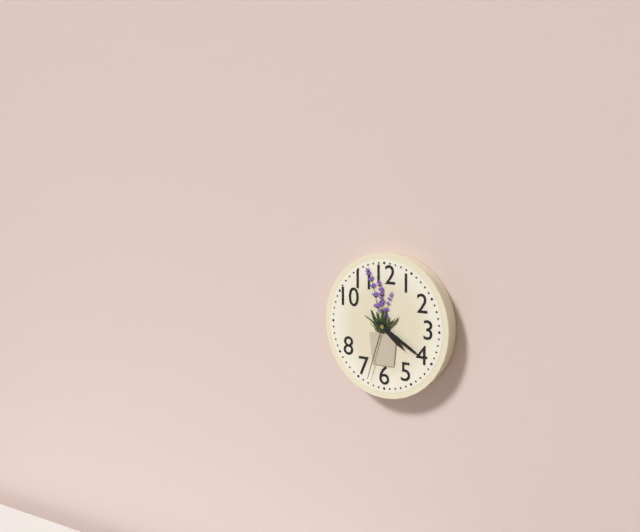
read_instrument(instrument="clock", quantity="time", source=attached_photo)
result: 4:20:33
